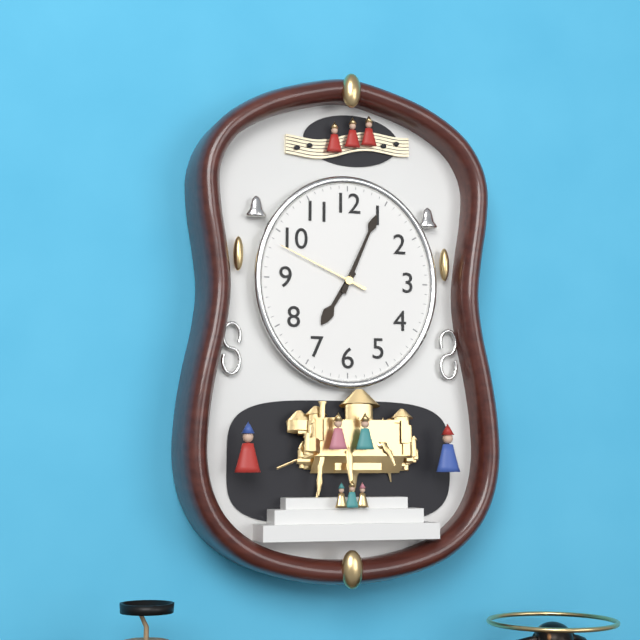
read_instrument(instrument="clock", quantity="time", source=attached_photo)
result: 7:04:49
